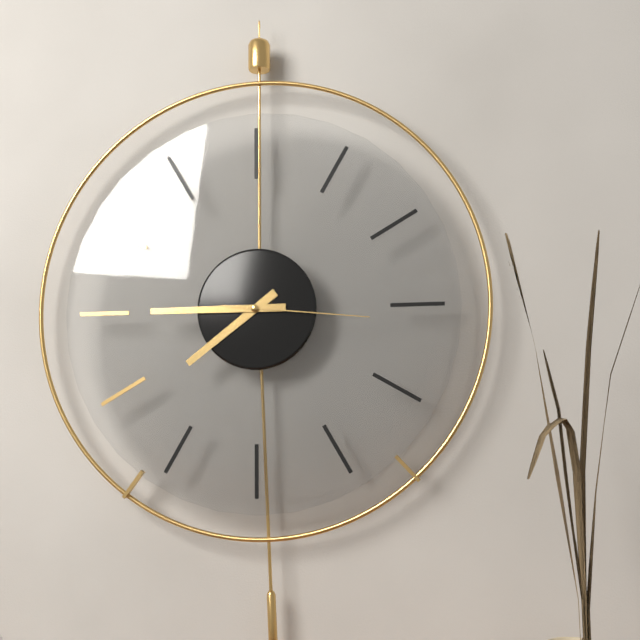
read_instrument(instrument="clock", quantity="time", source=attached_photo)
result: 7:45:16
